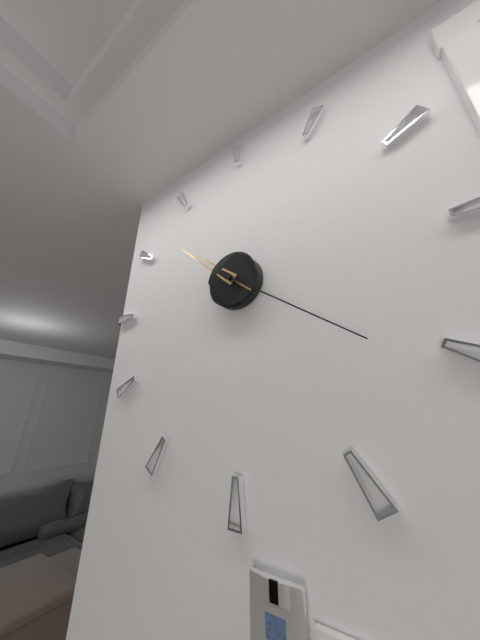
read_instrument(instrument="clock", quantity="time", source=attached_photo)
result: 10:21
